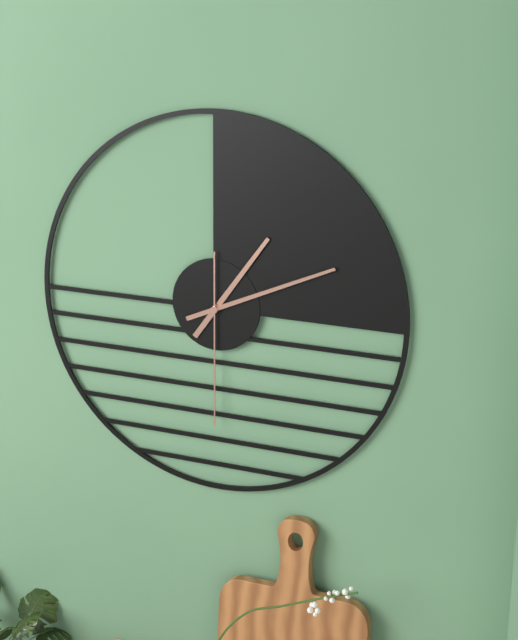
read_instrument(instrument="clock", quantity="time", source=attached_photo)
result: 1:11:30
